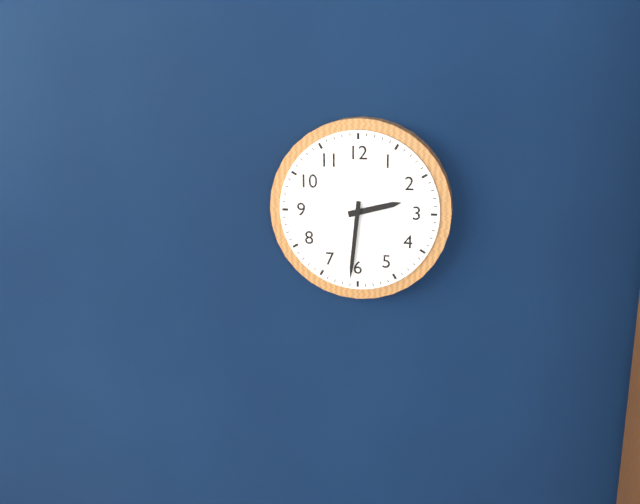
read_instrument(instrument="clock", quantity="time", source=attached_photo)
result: 2:31
